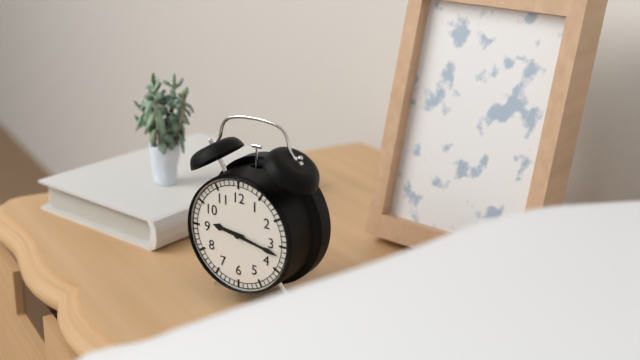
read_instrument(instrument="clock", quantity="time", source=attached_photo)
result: 9:17
